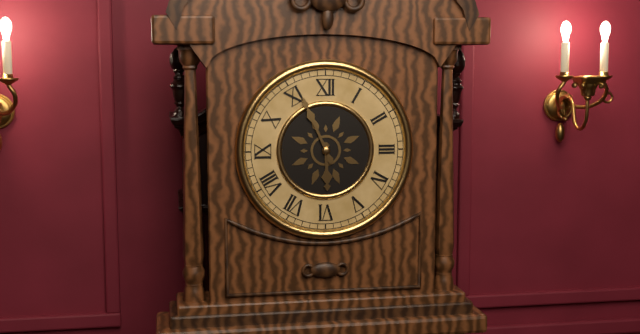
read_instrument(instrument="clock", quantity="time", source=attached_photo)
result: 5:56
